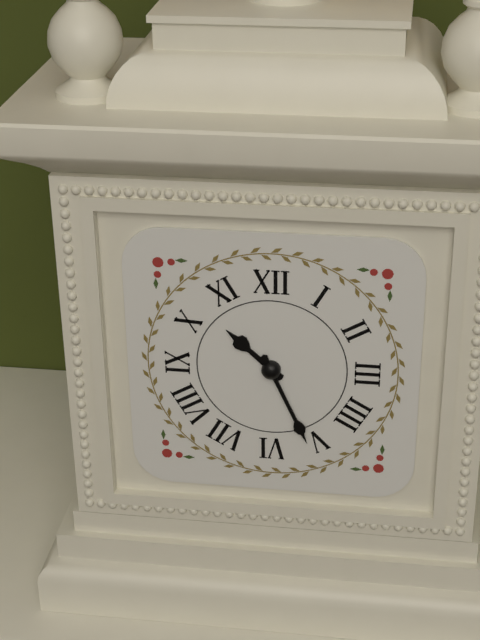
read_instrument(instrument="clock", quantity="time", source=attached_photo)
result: 10:26
